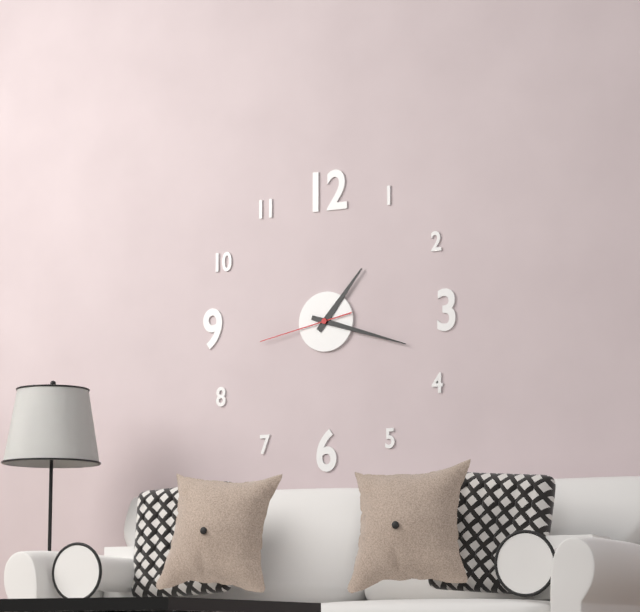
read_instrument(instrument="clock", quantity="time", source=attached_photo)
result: 1:18:43
